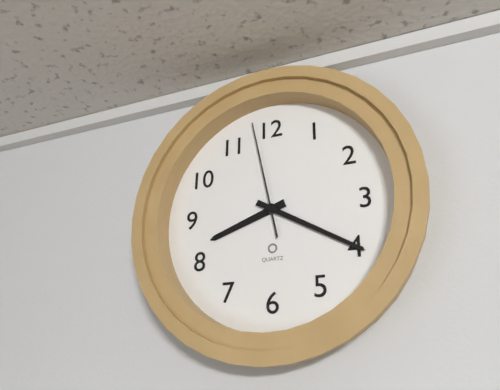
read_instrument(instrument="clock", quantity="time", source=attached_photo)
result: 8:20:58
